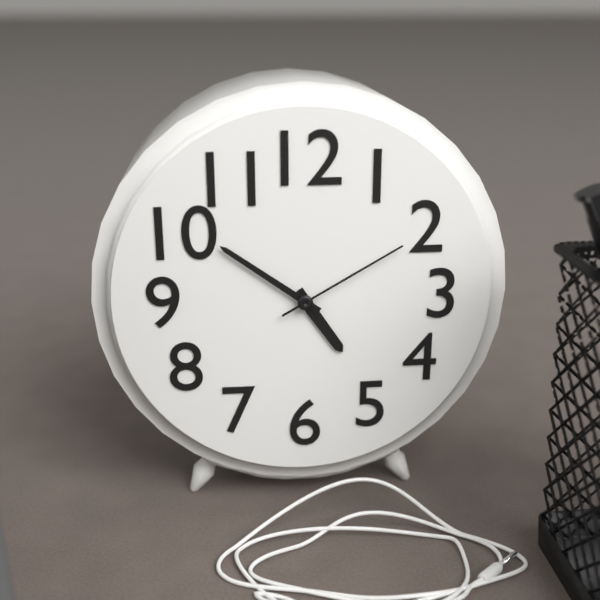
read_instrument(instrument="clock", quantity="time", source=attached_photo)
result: 4:51:10
